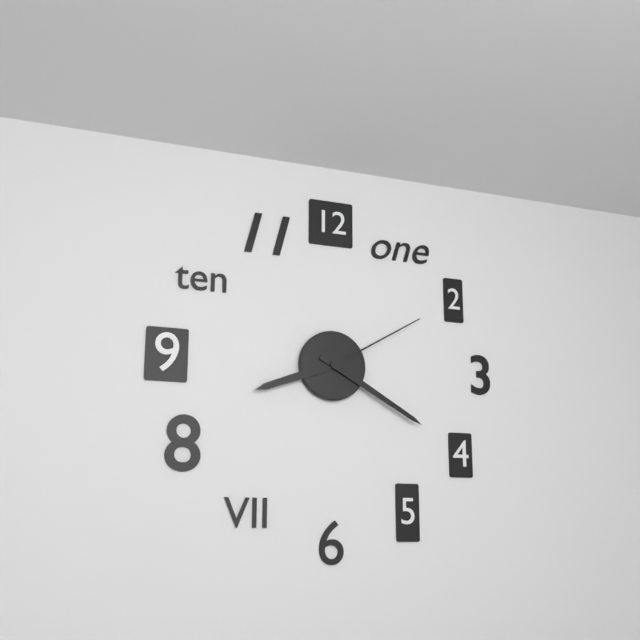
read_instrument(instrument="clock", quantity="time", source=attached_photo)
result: 8:20:10
